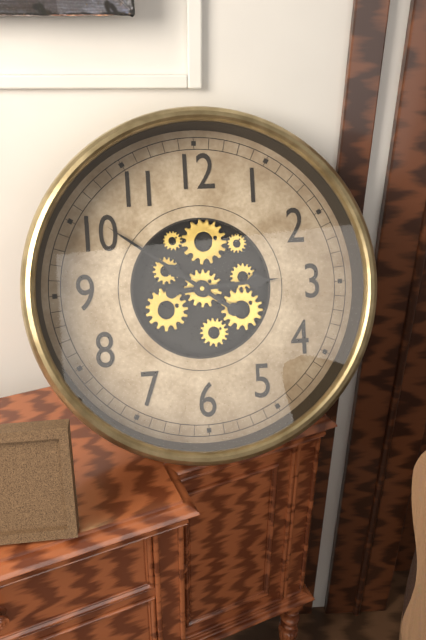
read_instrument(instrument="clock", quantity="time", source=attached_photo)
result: 2:51
